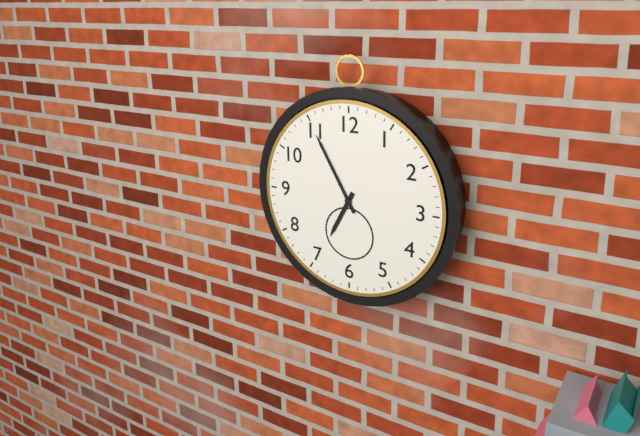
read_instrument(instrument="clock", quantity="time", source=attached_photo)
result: 6:55
